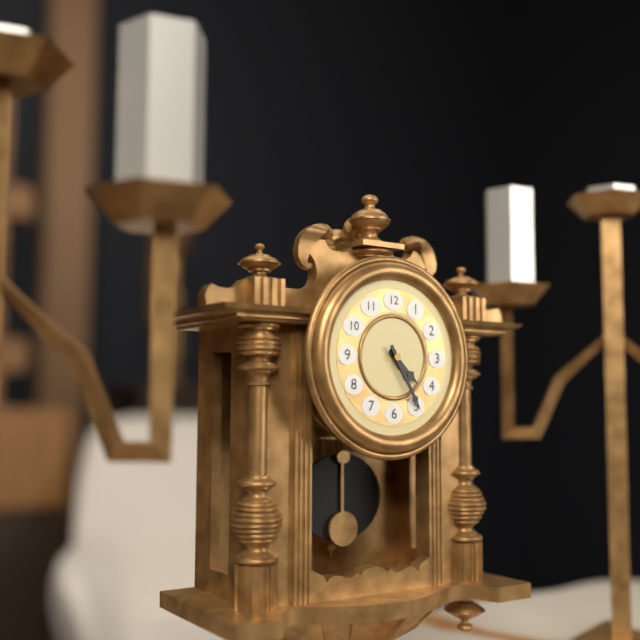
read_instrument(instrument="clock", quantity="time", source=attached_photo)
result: 4:25
